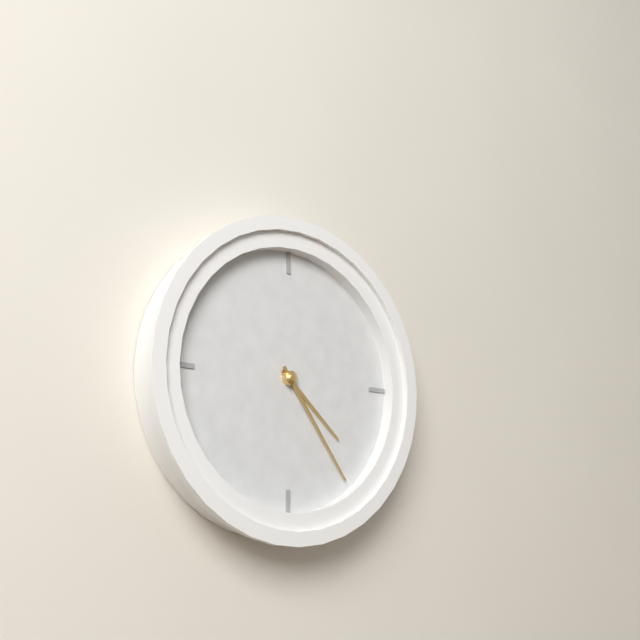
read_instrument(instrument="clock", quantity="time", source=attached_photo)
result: 4:24
